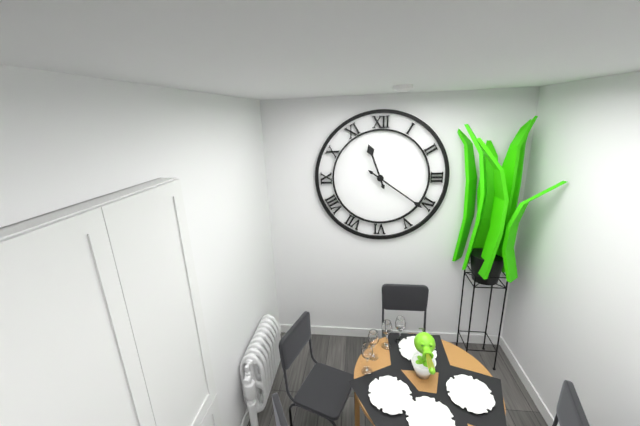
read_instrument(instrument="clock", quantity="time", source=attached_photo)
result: 11:21
